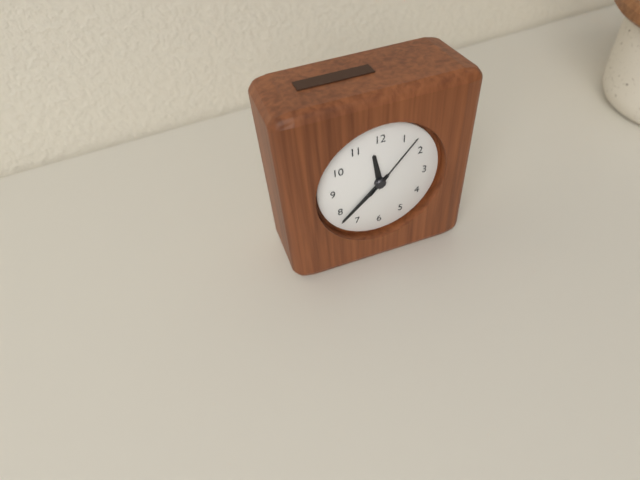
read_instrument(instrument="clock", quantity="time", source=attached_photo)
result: 11:38:07
